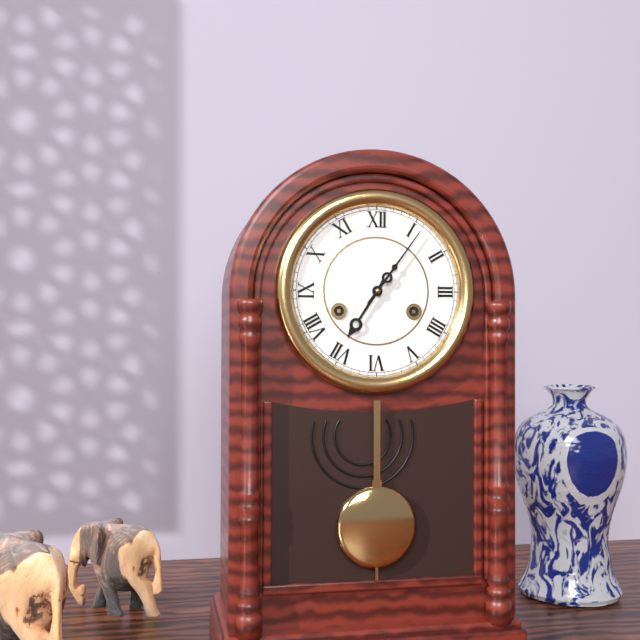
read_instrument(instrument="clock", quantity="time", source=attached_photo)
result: 7:06
